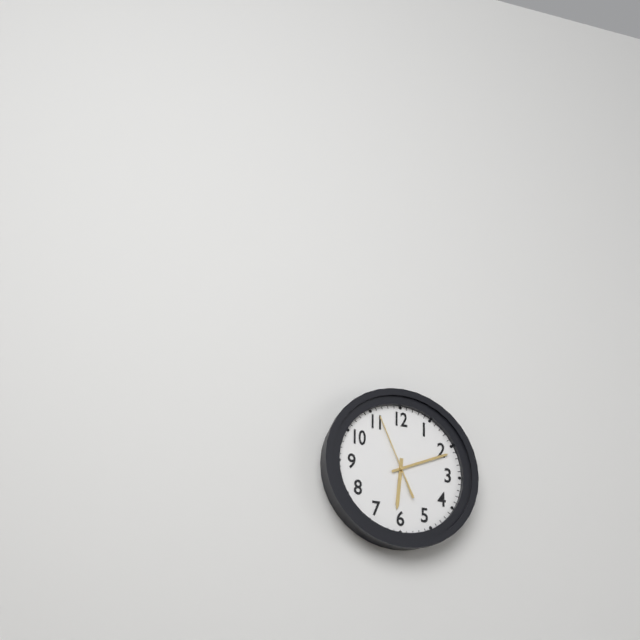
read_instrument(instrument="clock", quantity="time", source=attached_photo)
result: 6:11:56
